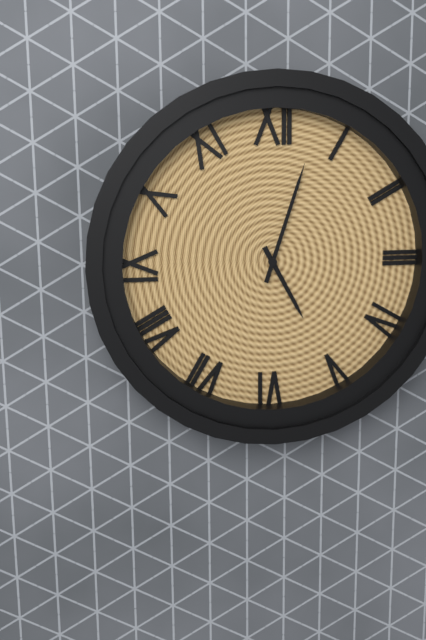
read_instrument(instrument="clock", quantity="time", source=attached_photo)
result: 5:03
